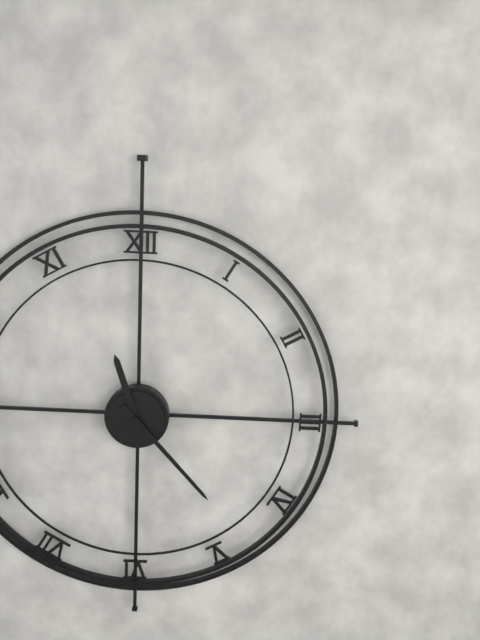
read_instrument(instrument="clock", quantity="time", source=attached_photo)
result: 11:23
